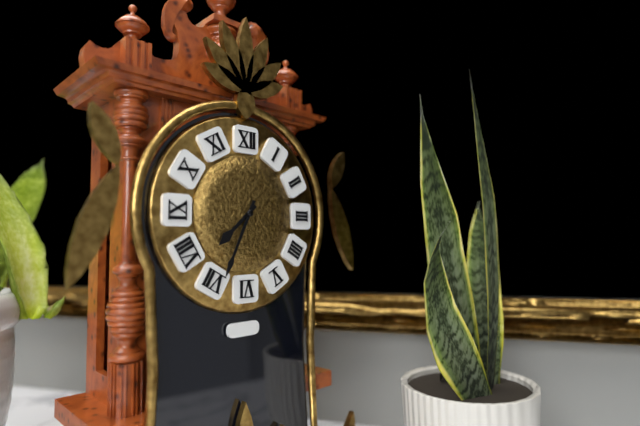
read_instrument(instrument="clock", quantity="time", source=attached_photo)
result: 7:34
